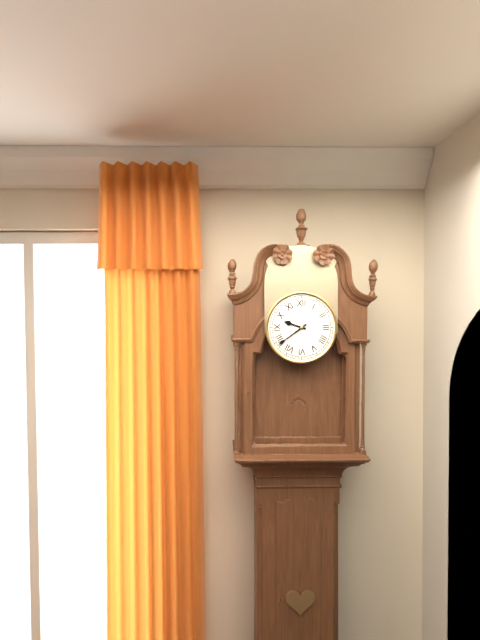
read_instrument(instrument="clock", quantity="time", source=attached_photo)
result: 9:39
